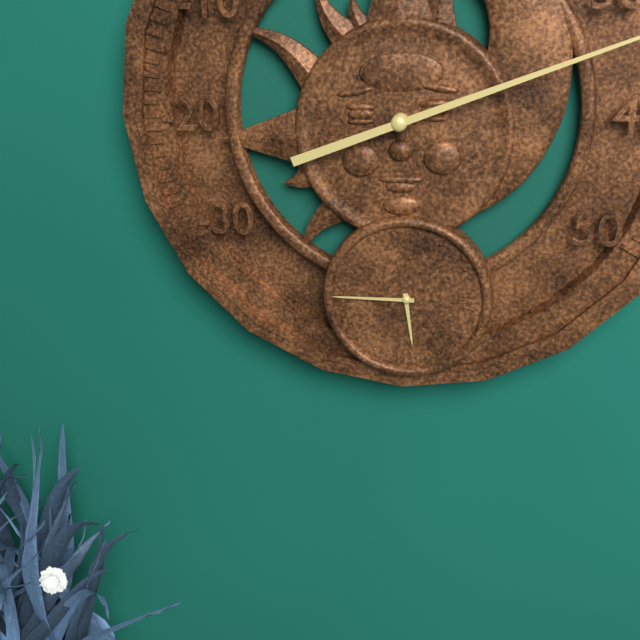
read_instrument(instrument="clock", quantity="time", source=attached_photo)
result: 5:45
